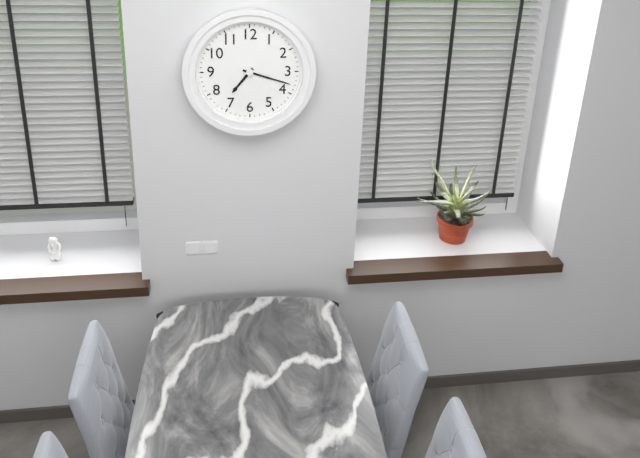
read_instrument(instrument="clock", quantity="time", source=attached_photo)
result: 7:18
